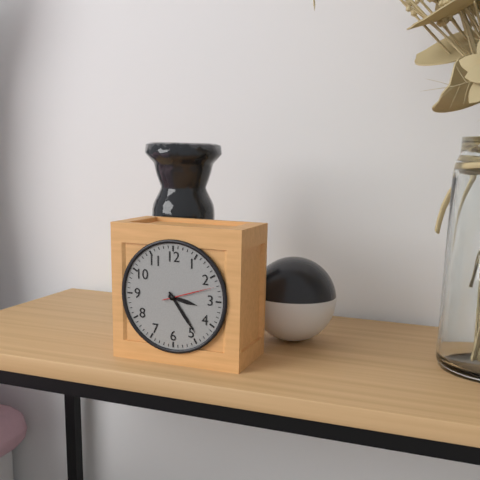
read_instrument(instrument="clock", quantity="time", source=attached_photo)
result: 3:24:12
